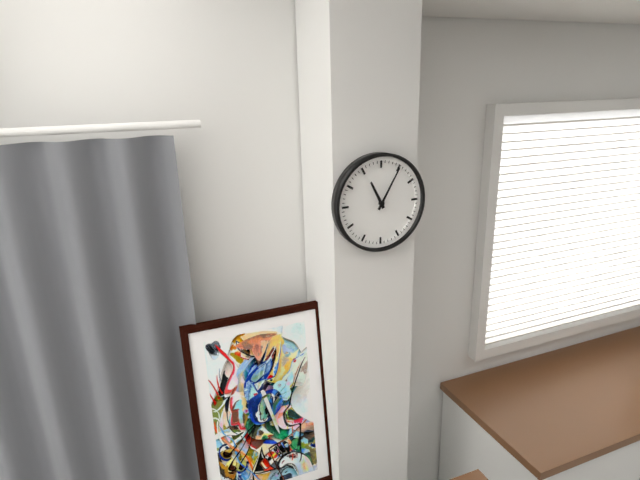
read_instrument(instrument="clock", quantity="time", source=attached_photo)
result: 11:05
